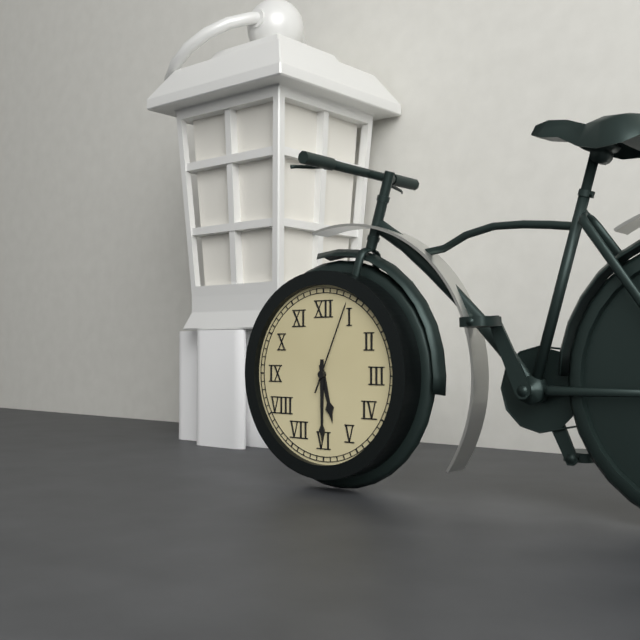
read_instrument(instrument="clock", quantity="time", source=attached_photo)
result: 5:30:04
